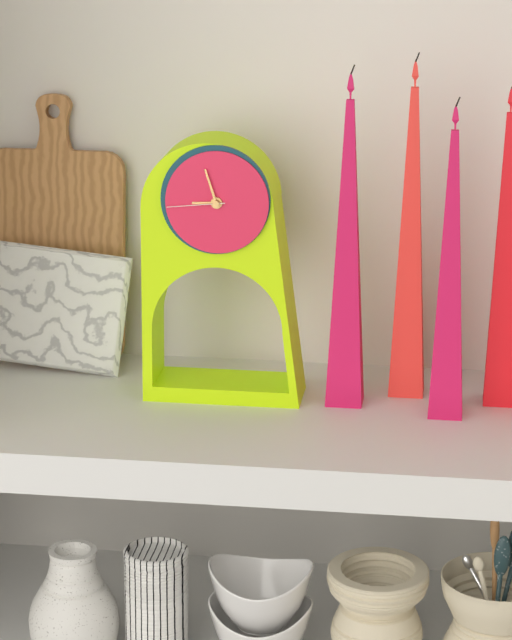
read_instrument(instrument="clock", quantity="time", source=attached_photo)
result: 8:57:44
